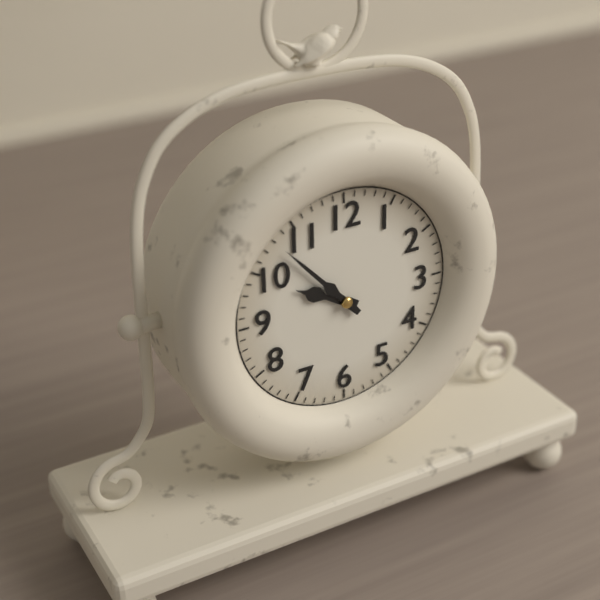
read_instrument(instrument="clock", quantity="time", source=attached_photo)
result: 9:53
